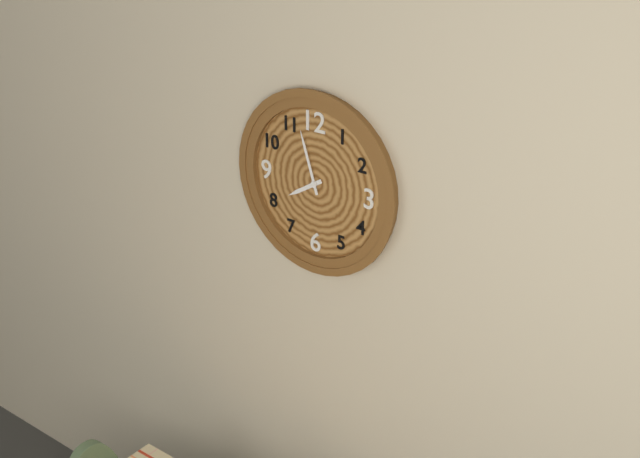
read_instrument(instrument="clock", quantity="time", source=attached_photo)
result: 7:57
